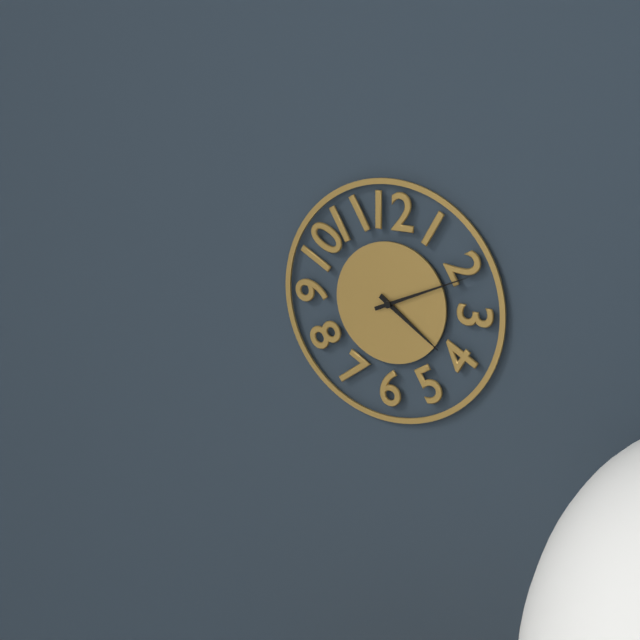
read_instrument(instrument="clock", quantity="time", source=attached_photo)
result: 4:11
